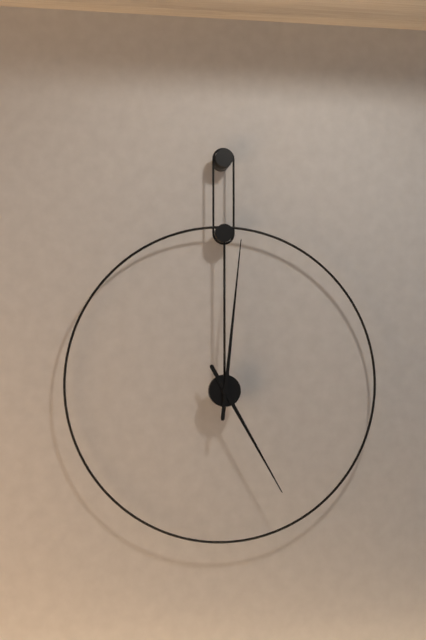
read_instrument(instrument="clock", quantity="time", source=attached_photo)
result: 5:01
